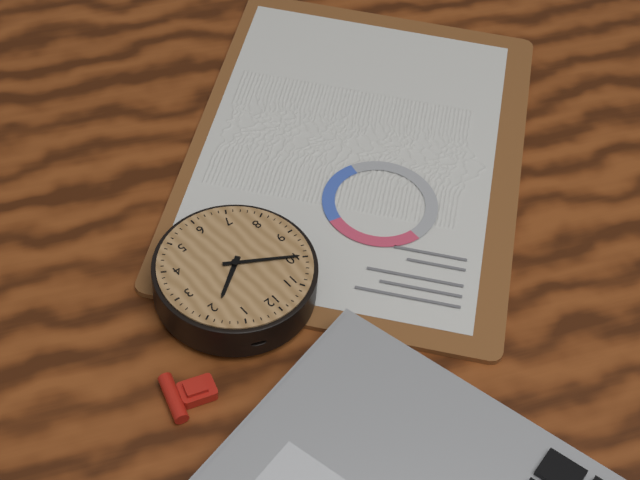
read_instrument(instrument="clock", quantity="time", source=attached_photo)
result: 1:50
